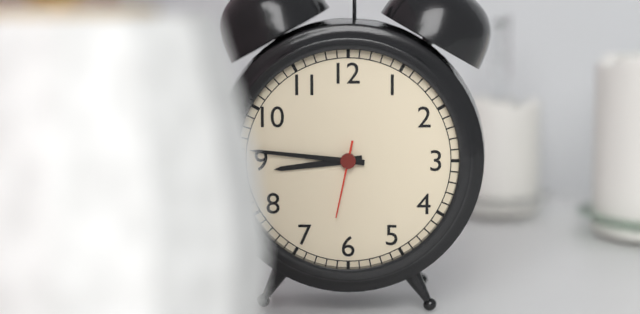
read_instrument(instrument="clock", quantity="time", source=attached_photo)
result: 8:46:32
